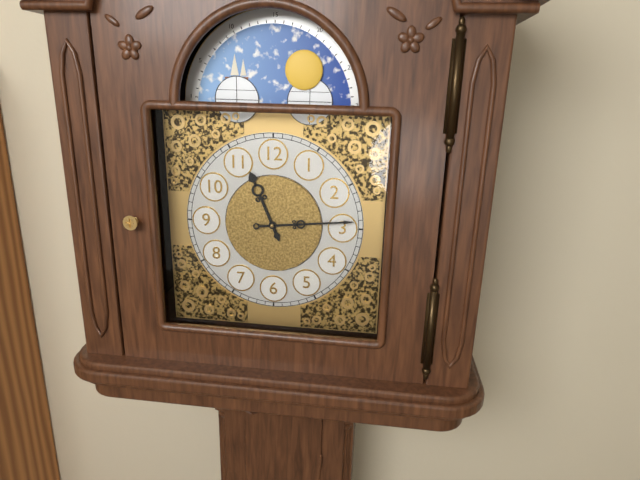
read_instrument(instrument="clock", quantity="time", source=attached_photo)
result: 11:14
